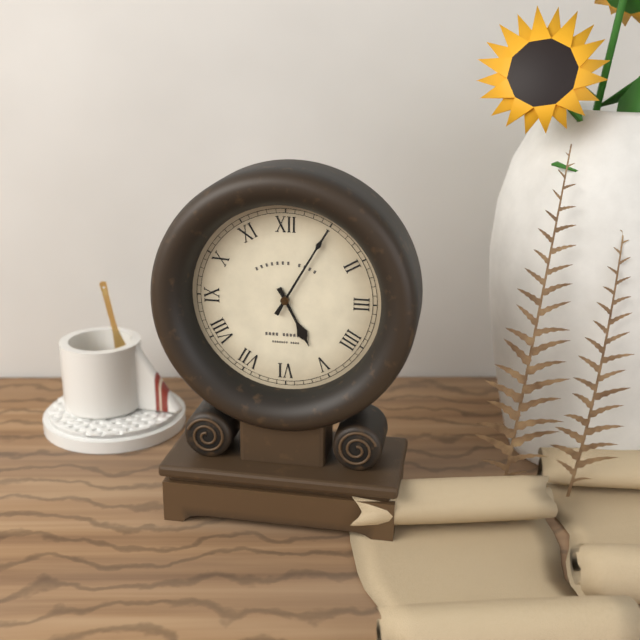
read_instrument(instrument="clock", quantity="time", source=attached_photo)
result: 5:05
